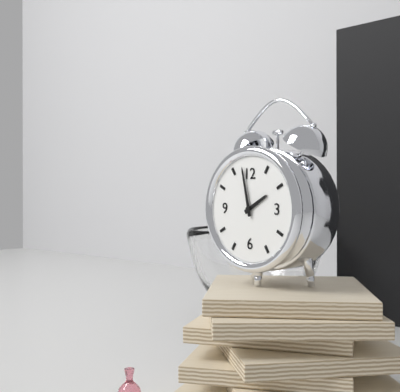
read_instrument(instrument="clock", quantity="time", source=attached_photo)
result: 1:58
